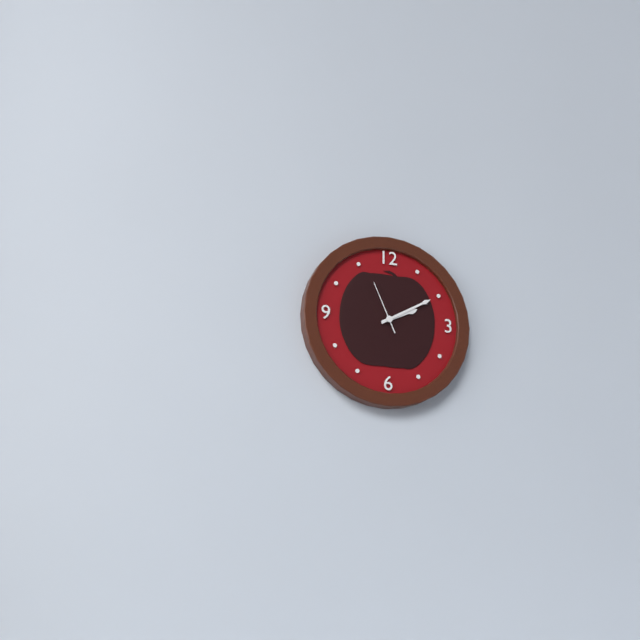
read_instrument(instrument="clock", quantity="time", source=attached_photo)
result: 2:10
